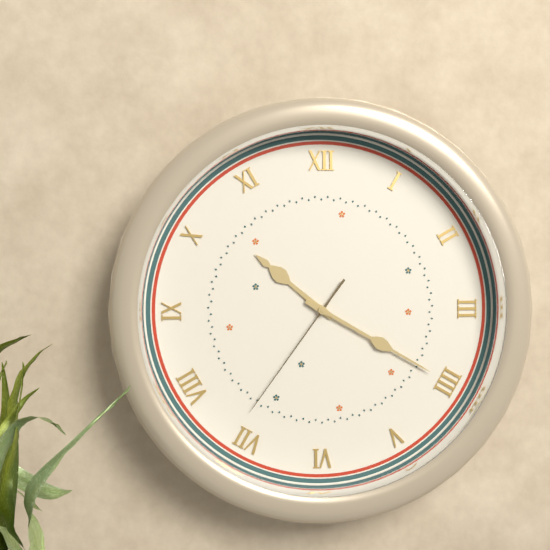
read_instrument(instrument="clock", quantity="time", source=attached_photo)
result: 10:20:36
